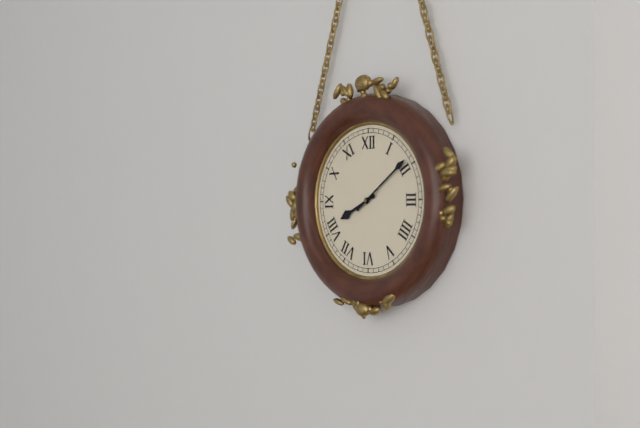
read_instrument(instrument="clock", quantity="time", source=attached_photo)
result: 8:09
